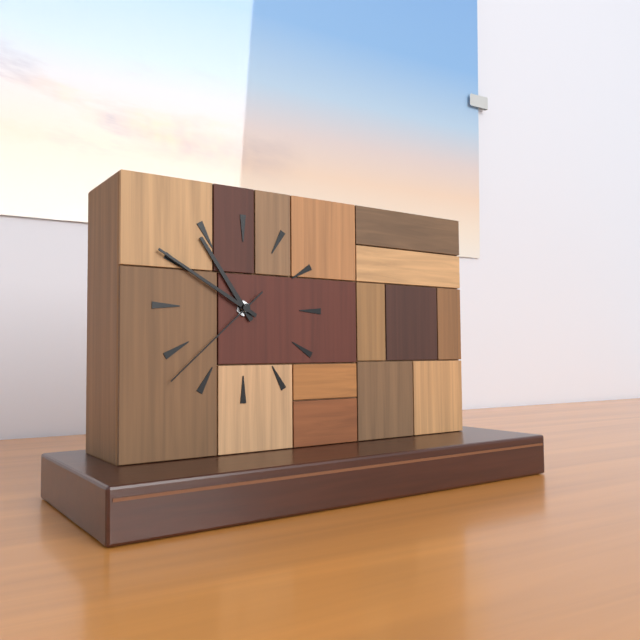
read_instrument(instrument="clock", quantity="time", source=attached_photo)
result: 10:50:38
